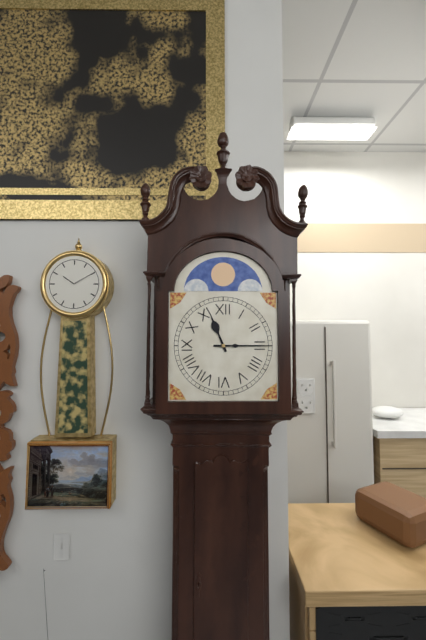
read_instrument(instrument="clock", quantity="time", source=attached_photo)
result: 11:15
